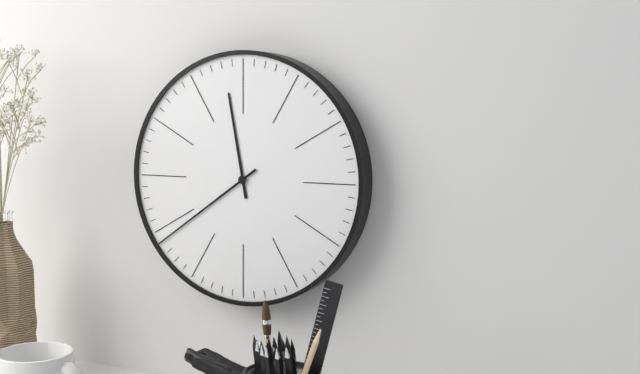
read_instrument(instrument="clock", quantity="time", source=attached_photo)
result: 11:39
